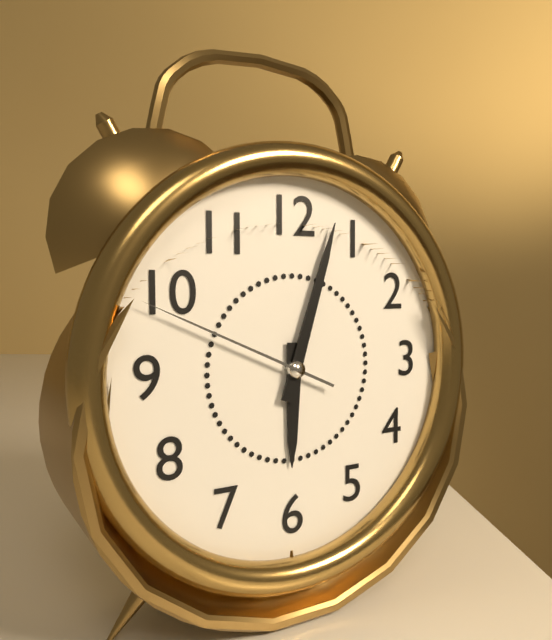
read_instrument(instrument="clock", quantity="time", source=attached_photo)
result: 6:03:49
